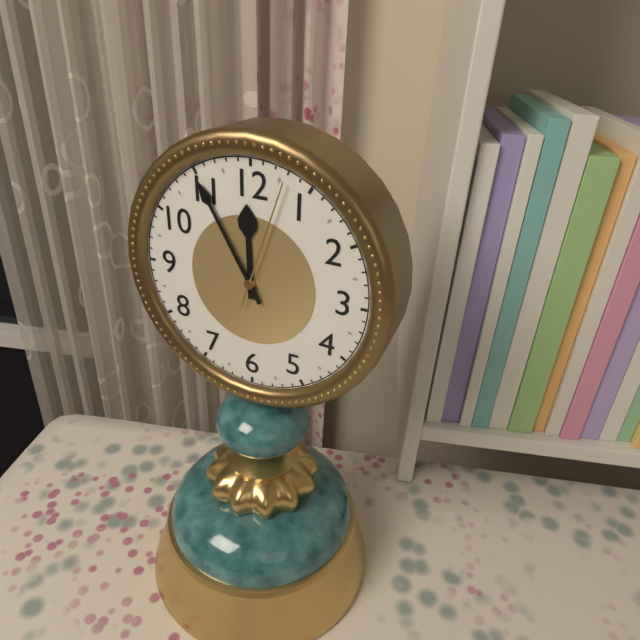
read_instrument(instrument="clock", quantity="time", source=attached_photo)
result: 11:55:03
